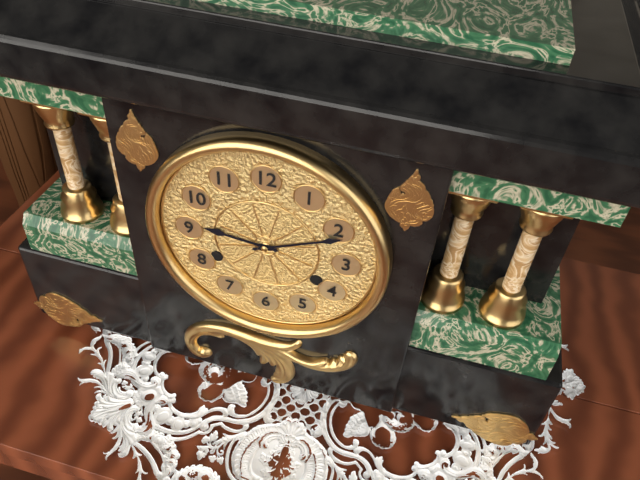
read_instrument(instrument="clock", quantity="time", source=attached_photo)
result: 9:11
